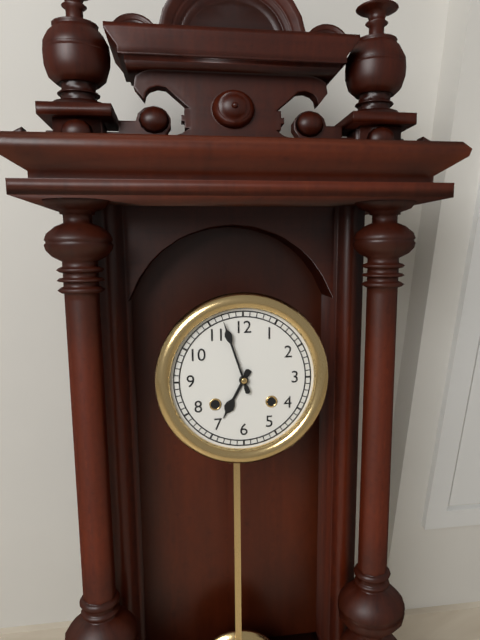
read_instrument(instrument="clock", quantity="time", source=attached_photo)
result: 6:57
